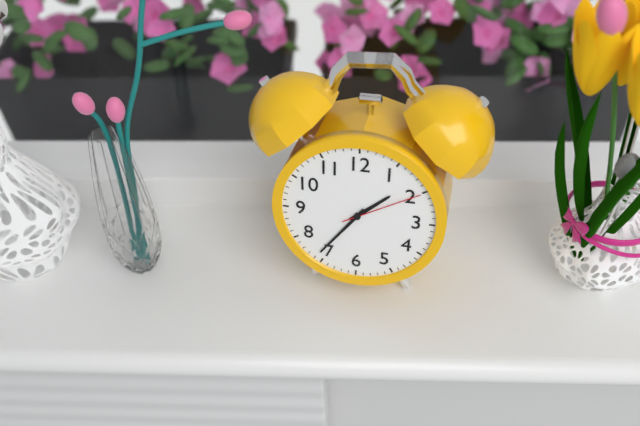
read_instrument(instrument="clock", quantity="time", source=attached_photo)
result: 1:36:10
